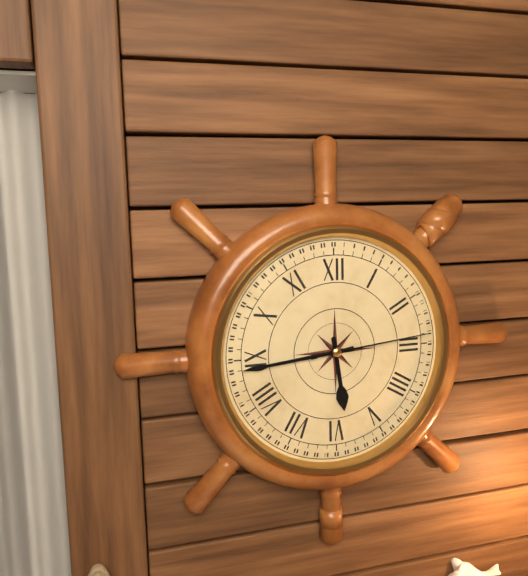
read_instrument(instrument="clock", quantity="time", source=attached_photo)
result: 5:44:14
